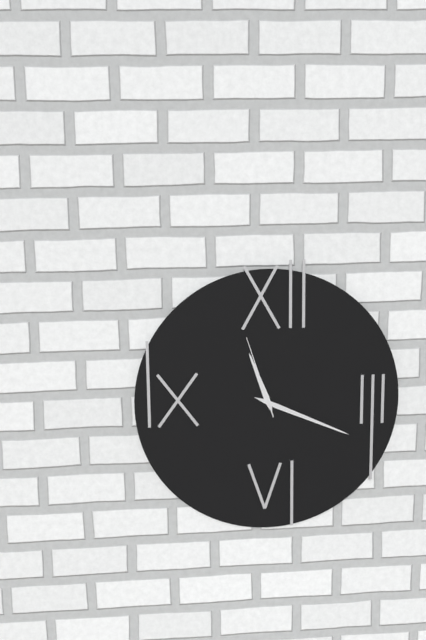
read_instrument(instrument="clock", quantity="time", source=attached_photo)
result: 11:19:57
